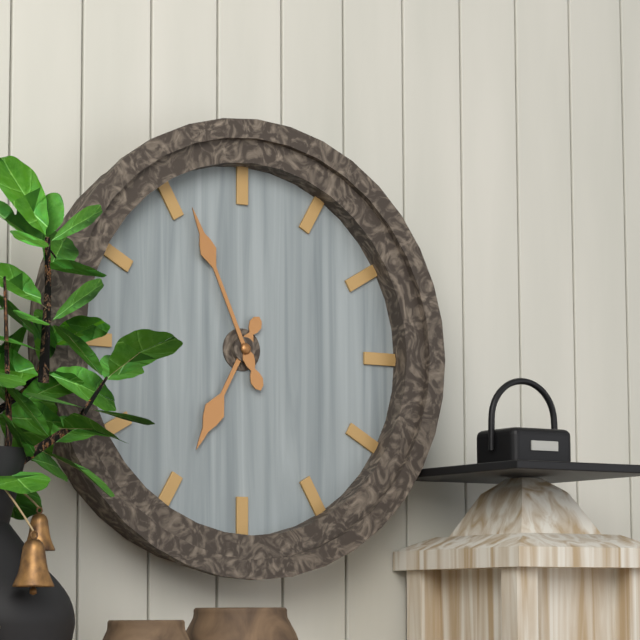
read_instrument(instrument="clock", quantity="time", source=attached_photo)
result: 6:56
